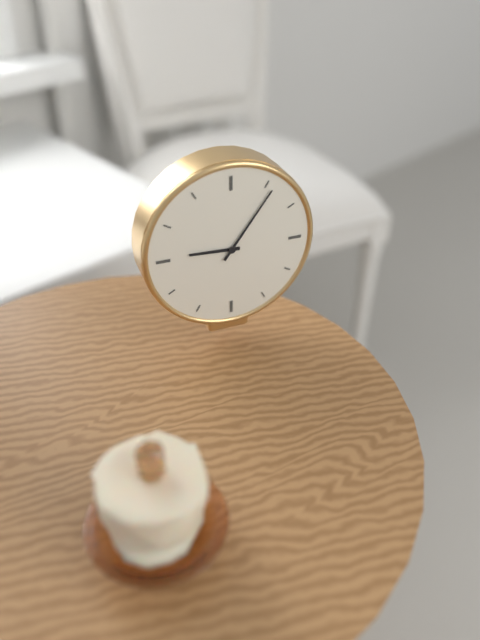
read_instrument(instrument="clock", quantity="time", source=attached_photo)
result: 9:06
